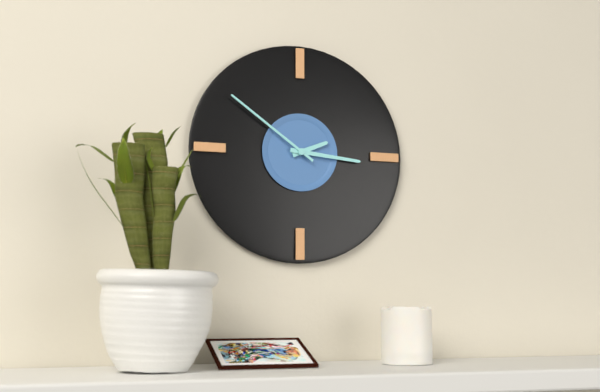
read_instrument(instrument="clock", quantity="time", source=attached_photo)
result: 2:16:51
